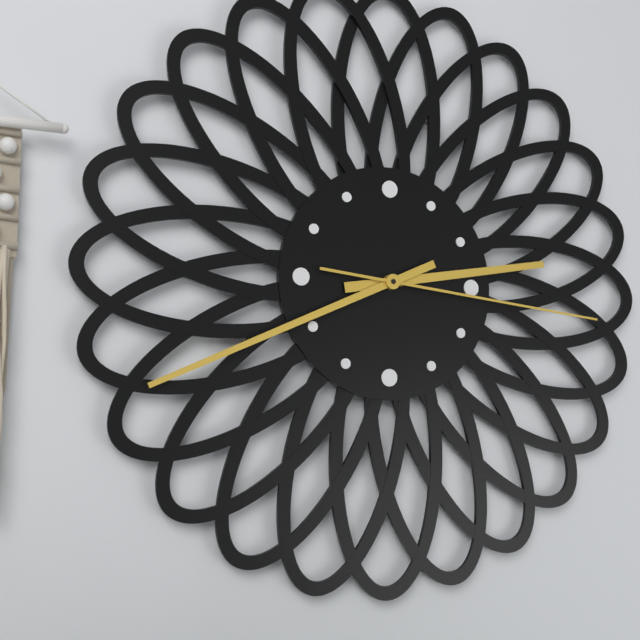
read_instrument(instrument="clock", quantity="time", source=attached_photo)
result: 2:41:16
